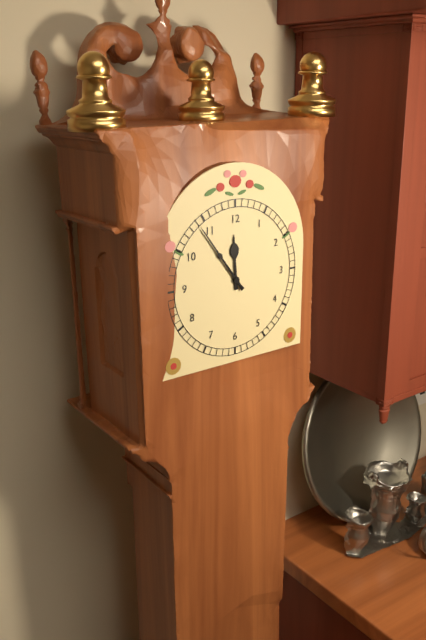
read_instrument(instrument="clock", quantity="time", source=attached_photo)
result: 11:54
